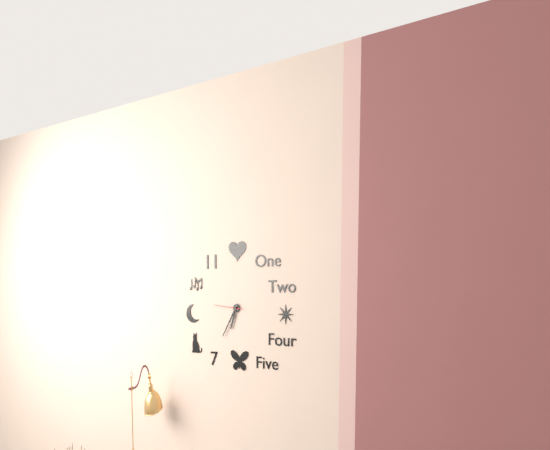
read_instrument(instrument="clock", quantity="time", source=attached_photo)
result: 6:35
